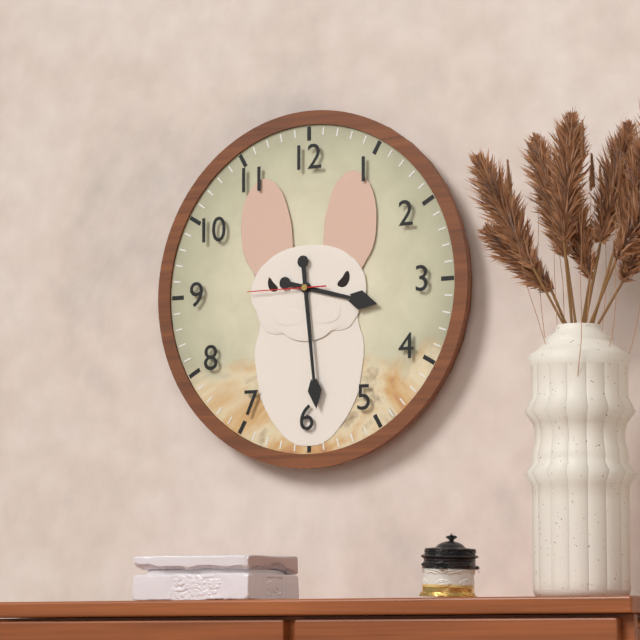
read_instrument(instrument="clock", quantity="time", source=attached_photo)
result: 3:29:45
